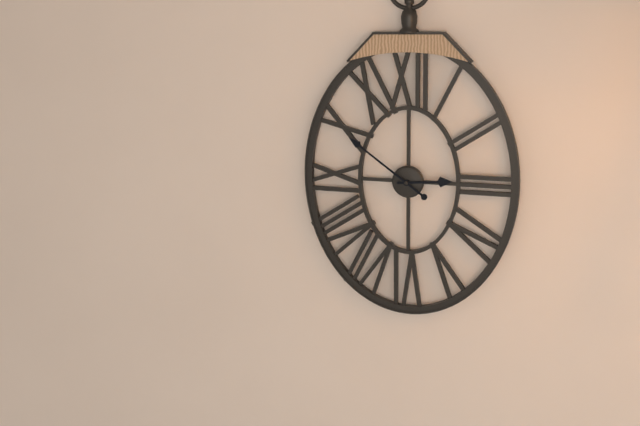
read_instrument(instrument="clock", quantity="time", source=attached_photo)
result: 2:51
